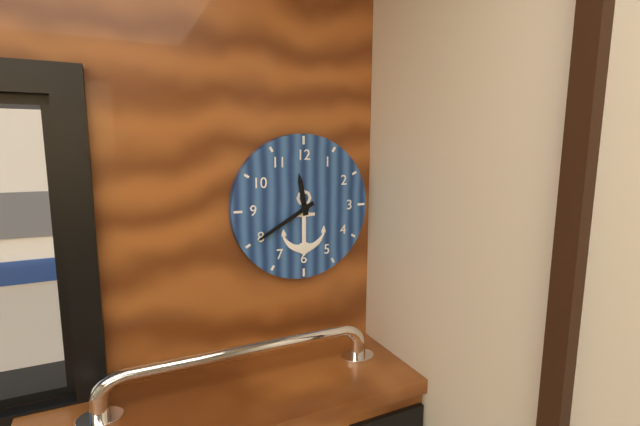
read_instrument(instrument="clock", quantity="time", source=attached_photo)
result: 11:40
